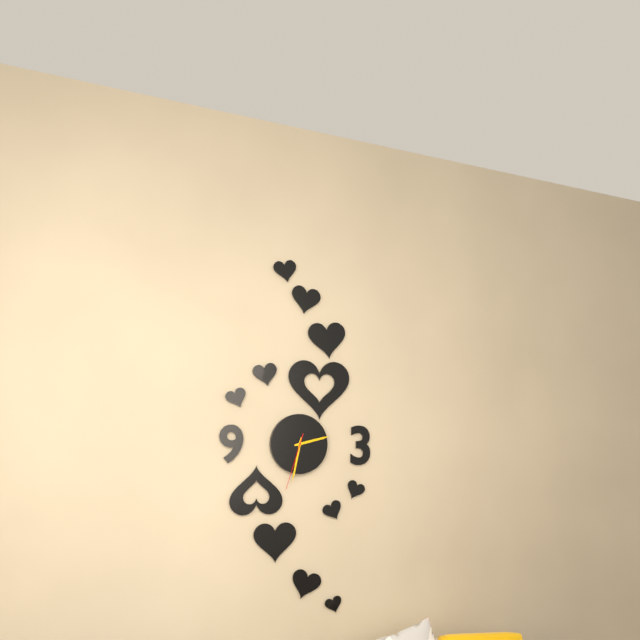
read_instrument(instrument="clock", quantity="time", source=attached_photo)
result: 2:32:33
